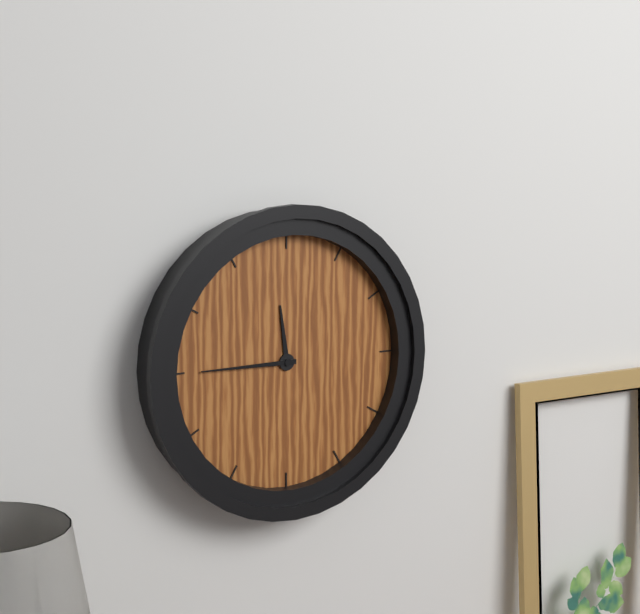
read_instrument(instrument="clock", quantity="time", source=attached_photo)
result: 11:45
